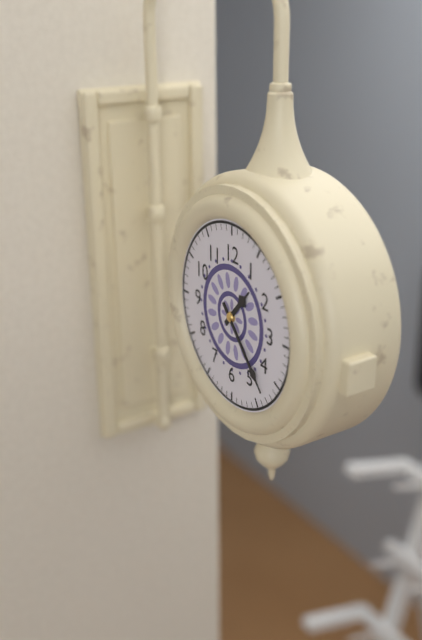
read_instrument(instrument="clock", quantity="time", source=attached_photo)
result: 1:23
